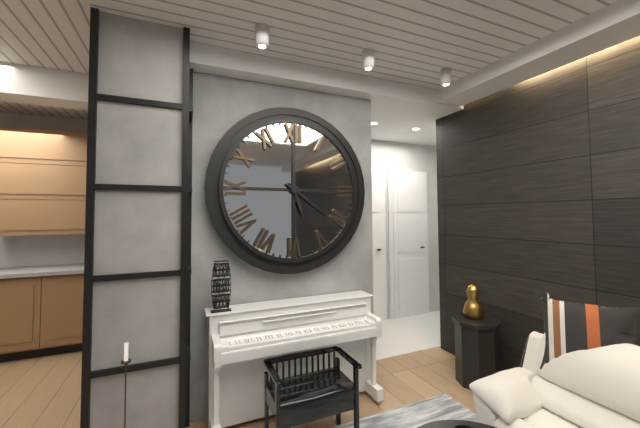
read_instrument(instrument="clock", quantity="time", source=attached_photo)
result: 5:21
